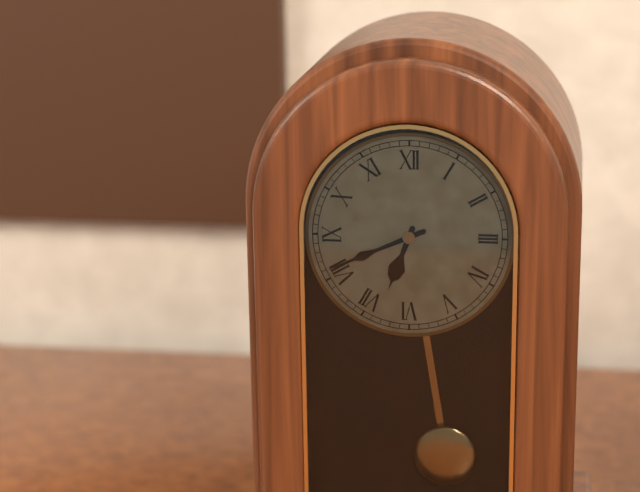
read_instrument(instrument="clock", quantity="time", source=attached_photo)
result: 6:41
